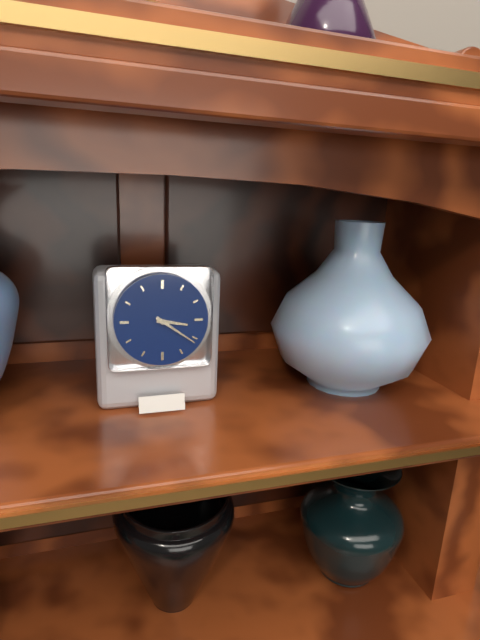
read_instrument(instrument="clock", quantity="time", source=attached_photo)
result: 3:21
